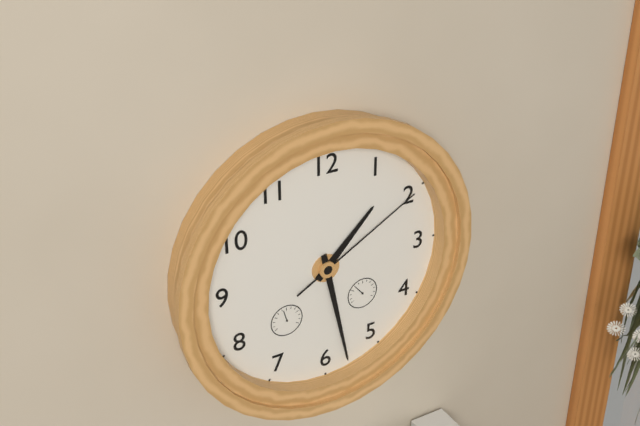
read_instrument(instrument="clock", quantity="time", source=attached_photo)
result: 1:28:10
